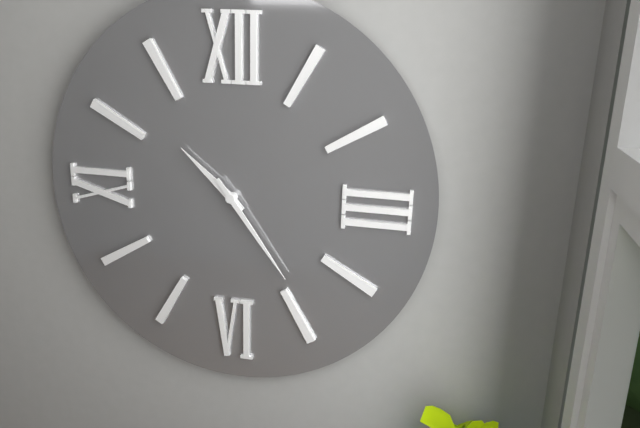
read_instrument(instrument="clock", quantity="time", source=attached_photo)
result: 10:24
